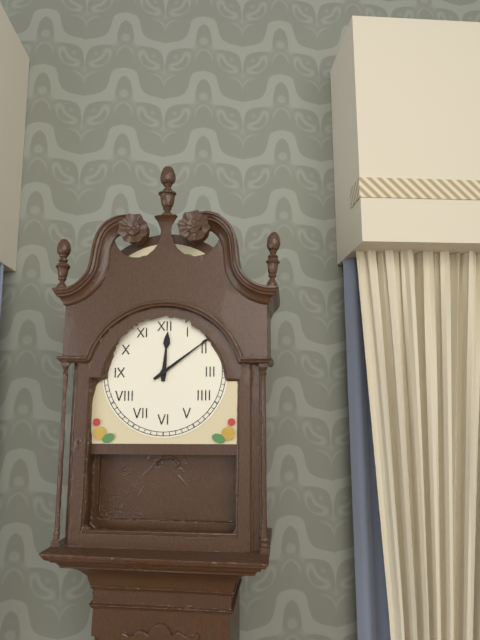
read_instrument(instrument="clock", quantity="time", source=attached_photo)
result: 12:09
